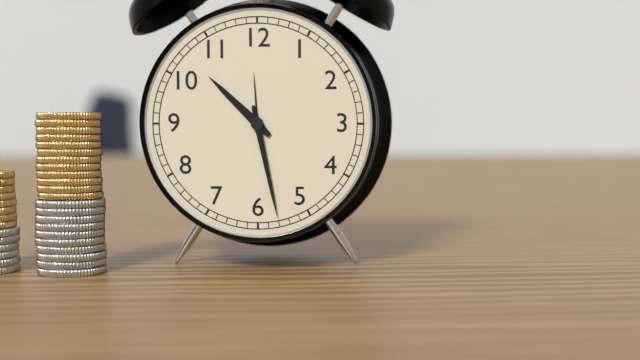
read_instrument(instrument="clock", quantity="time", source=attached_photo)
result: 10:28
